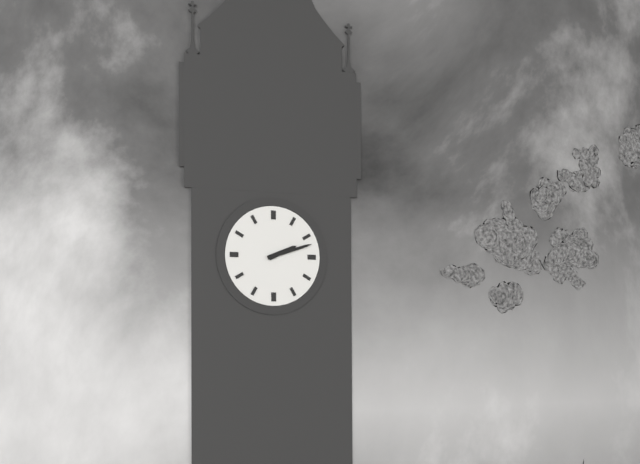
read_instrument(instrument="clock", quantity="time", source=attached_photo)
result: 2:12
